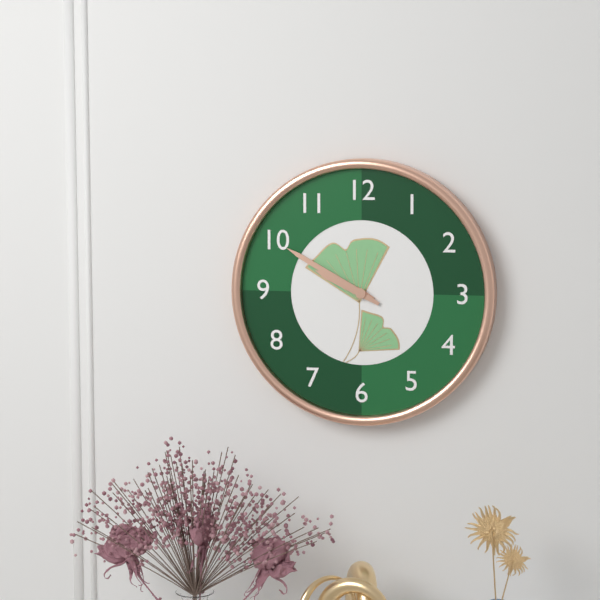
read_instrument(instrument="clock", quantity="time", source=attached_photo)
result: 9:50
